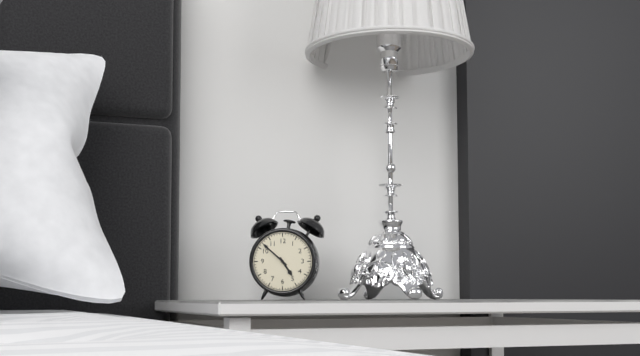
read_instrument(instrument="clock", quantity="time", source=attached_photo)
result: 4:52
